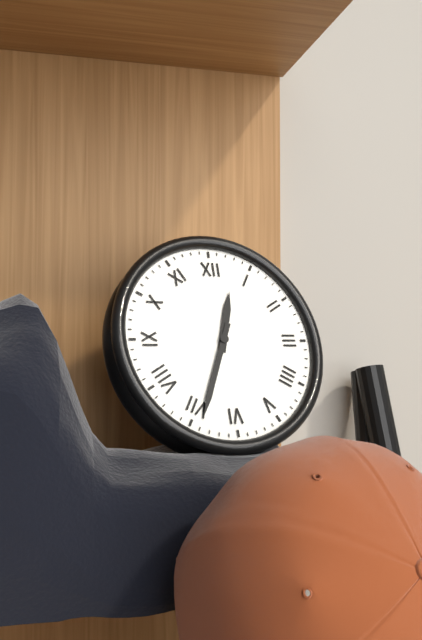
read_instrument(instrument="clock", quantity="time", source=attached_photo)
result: 12:34
